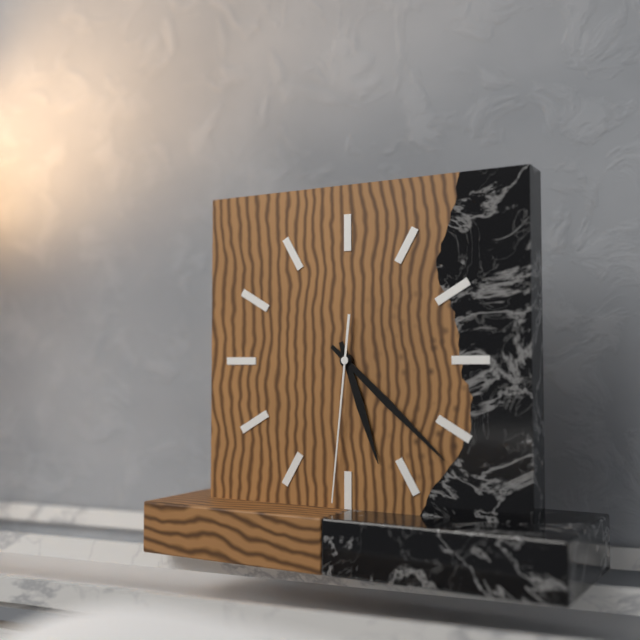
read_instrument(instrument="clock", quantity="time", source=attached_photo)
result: 5:22:31
